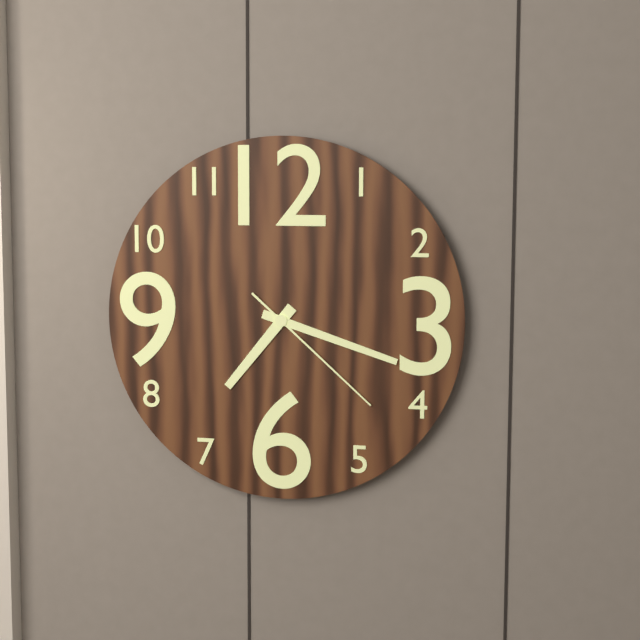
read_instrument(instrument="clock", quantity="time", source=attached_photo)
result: 7:18:22
